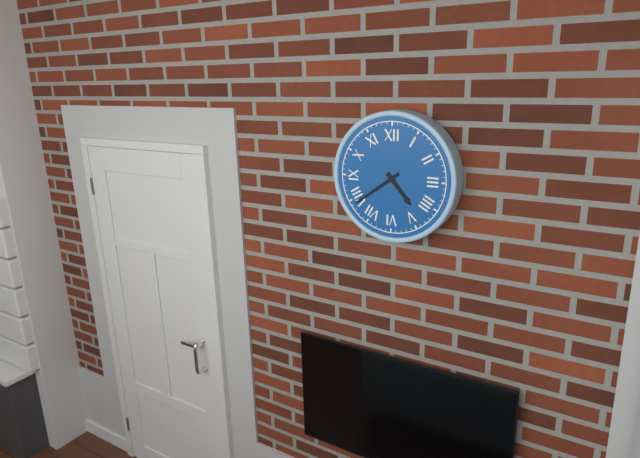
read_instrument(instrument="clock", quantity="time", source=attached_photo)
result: 4:39
